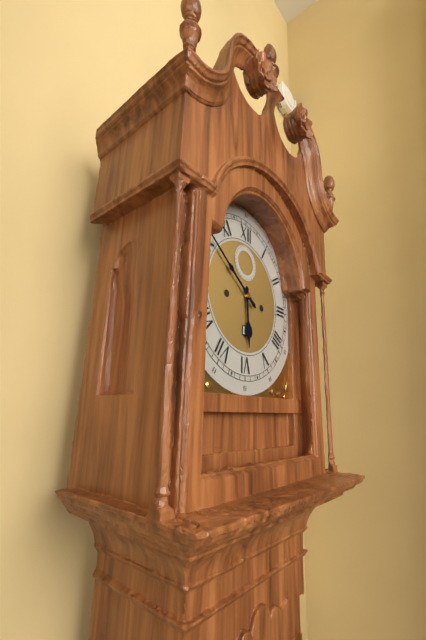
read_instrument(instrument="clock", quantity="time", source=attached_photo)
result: 5:51
